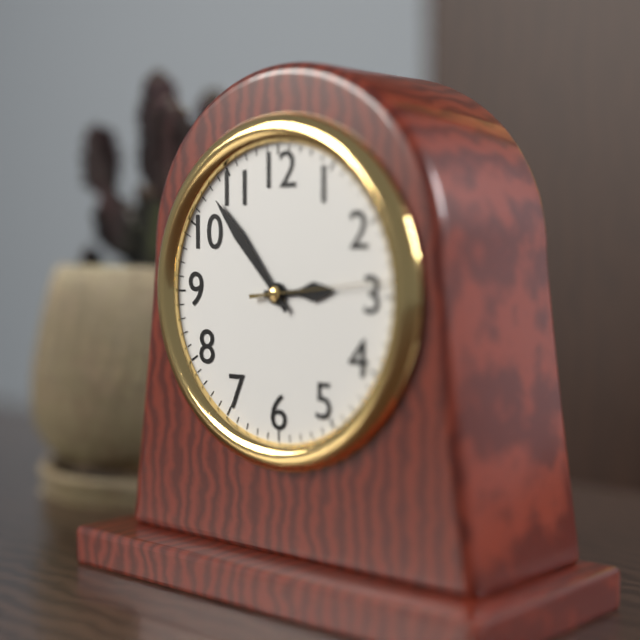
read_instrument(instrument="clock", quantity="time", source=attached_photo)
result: 2:53:14
